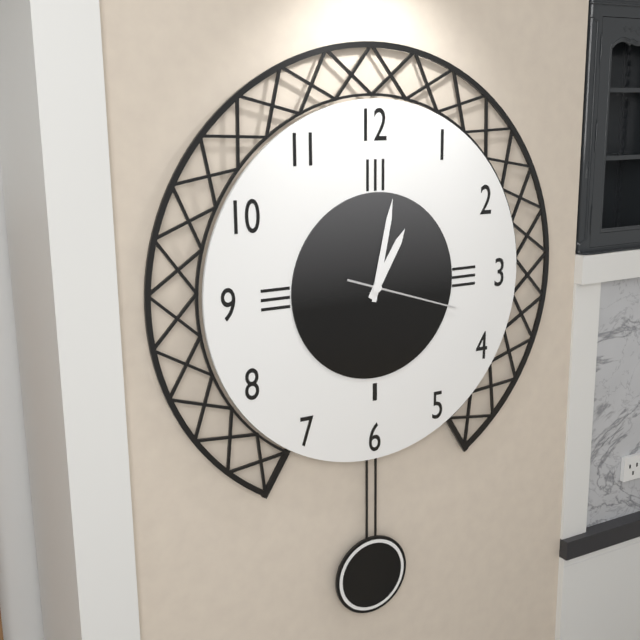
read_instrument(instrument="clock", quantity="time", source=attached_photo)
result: 1:02:18
